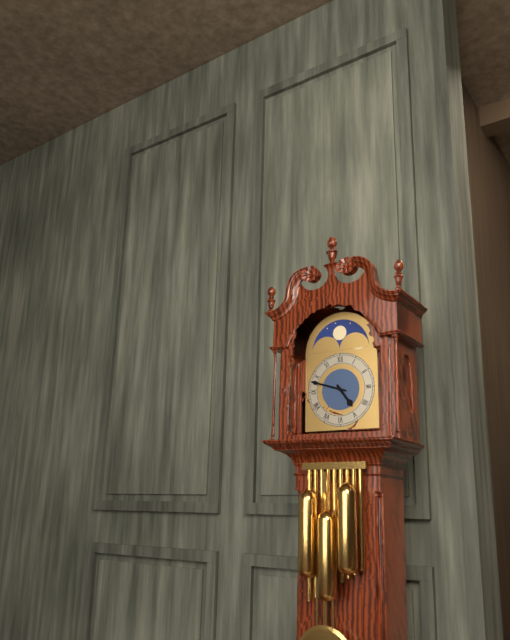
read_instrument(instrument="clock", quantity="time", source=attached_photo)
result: 4:48
